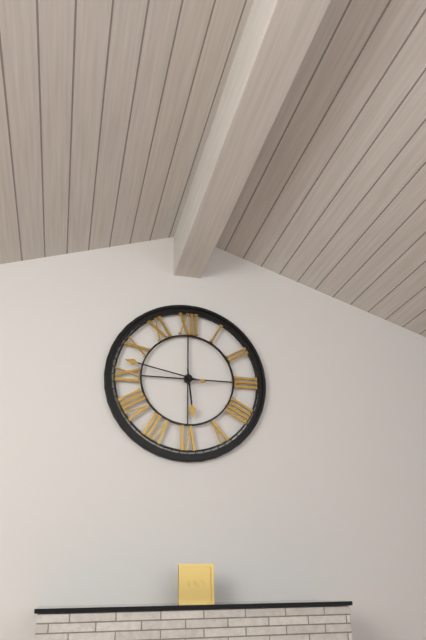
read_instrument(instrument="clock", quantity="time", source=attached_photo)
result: 5:47
